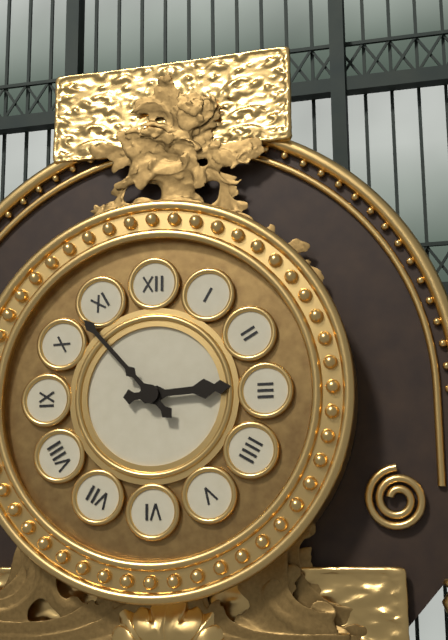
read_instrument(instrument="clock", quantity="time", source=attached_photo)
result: 2:53
